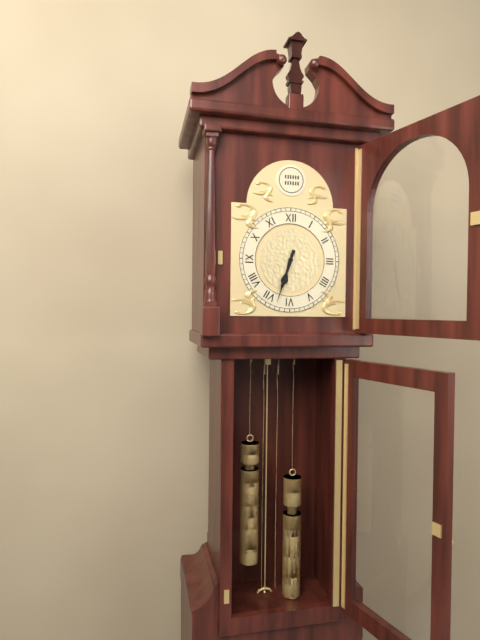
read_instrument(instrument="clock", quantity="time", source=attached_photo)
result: 6:33
